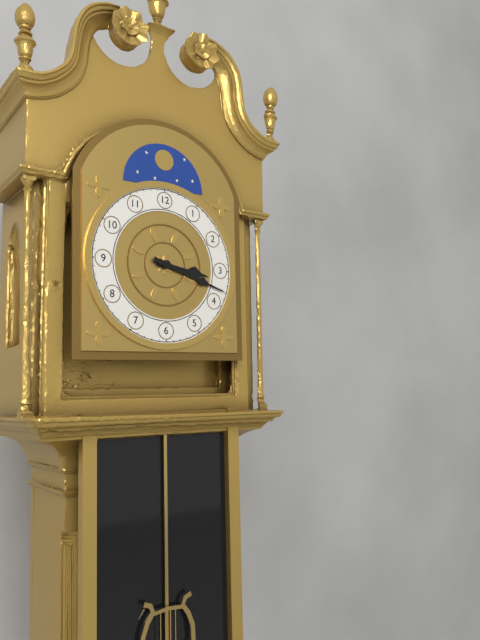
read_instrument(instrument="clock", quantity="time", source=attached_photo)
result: 3:18
